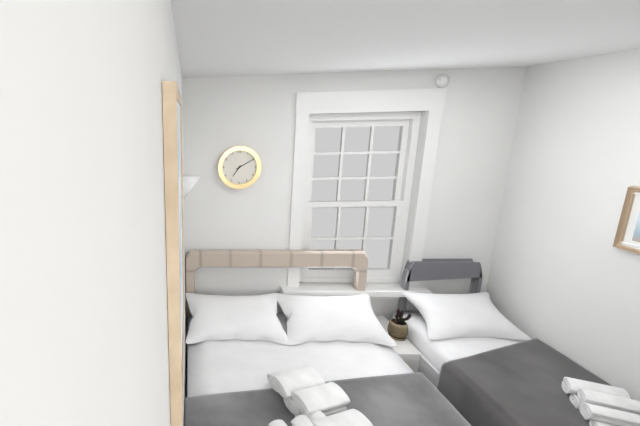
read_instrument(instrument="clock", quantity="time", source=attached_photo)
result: 7:10
